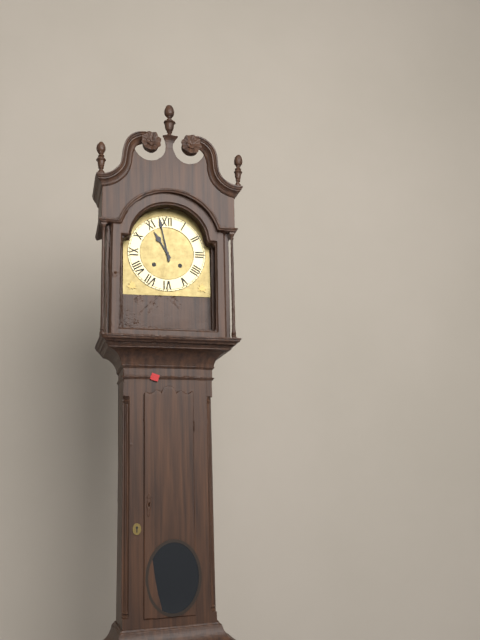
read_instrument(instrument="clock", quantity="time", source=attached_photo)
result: 10:58
